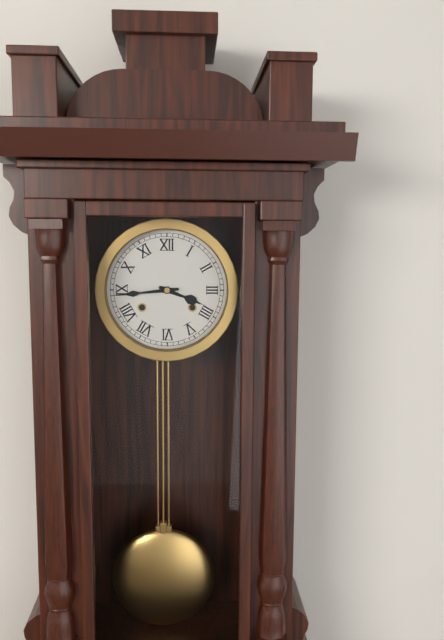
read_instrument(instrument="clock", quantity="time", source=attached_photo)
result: 3:44
